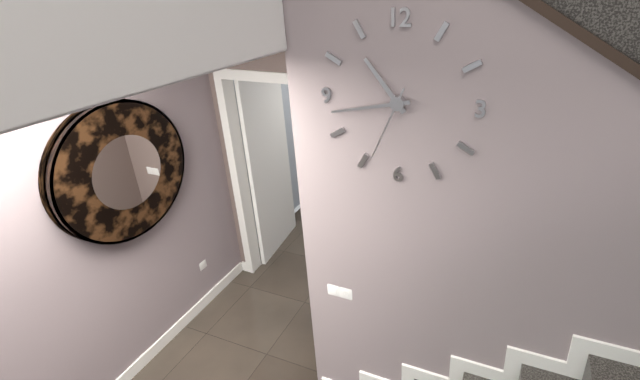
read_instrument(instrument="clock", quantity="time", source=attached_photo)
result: 10:43:34
